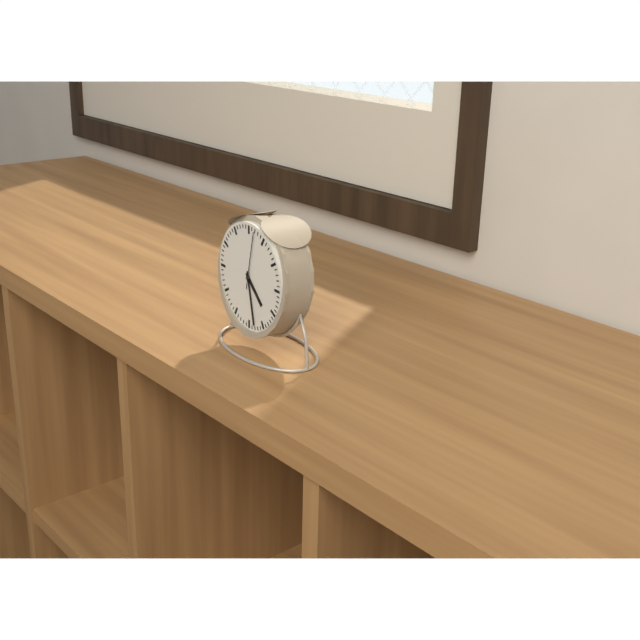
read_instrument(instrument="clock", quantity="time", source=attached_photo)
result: 4:28:02
